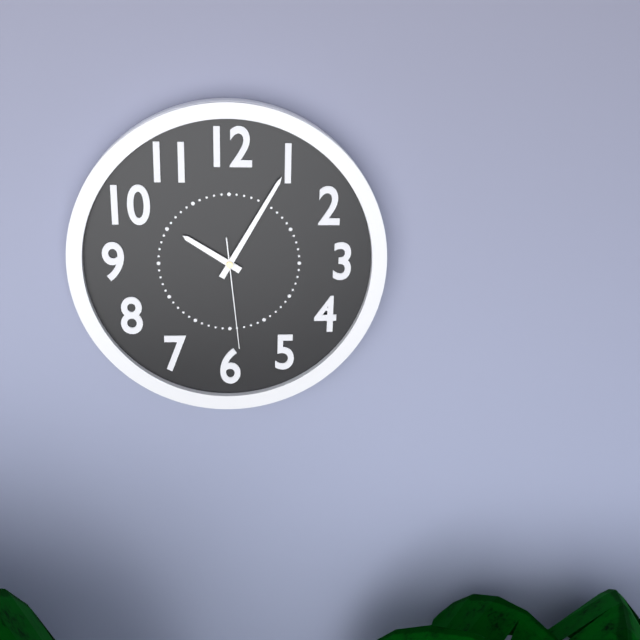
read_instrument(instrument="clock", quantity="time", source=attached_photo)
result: 10:05:29
